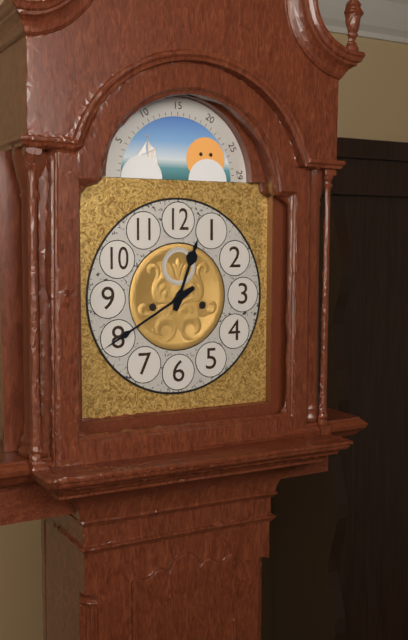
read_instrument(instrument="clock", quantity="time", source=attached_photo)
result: 12:40
